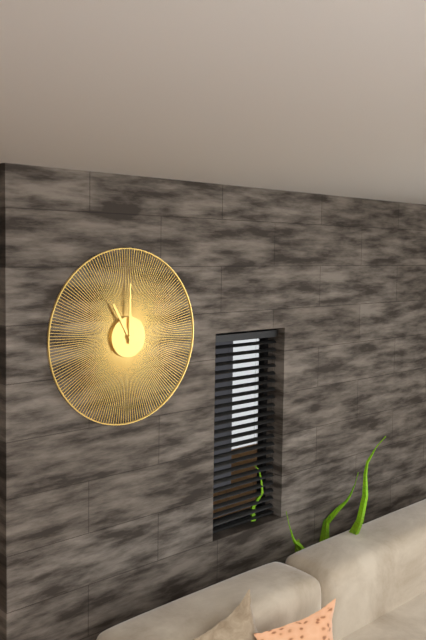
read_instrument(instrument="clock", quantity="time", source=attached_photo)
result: 11:00
